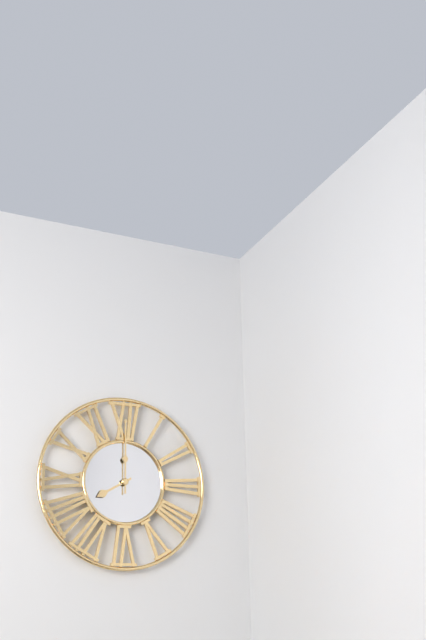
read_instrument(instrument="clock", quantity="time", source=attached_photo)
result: 8:00
